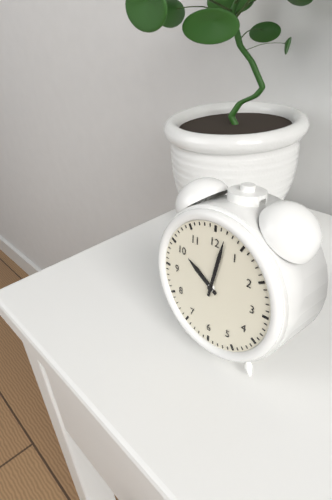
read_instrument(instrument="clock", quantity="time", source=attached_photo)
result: 10:02
